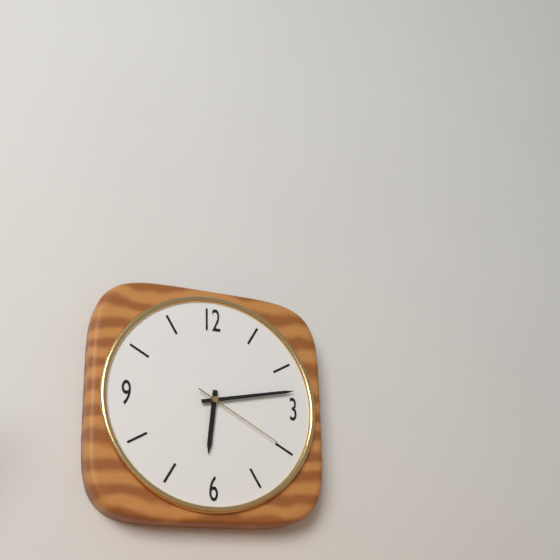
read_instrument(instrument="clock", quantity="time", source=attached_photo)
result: 6:13:20
